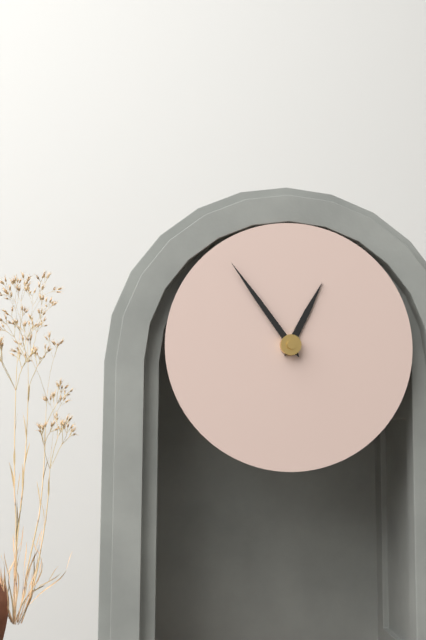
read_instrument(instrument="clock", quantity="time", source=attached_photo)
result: 12:54
